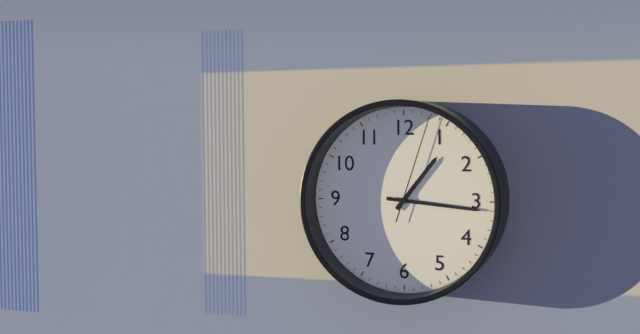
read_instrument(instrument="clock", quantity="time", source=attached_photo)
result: 1:16:03
